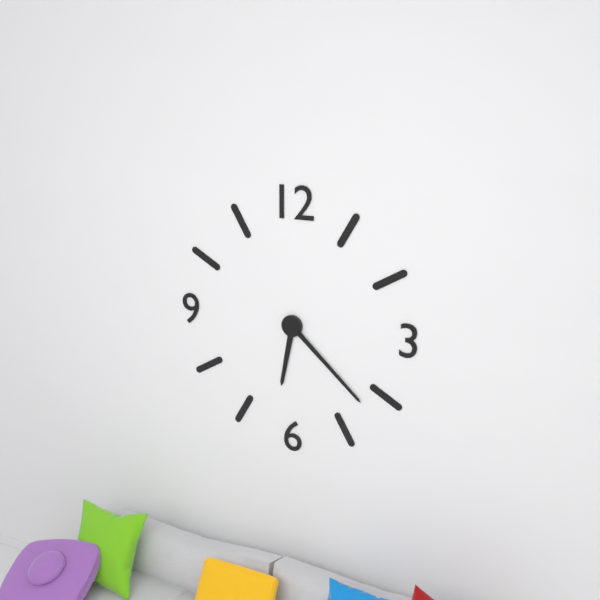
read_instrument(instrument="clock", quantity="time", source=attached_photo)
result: 6:22
